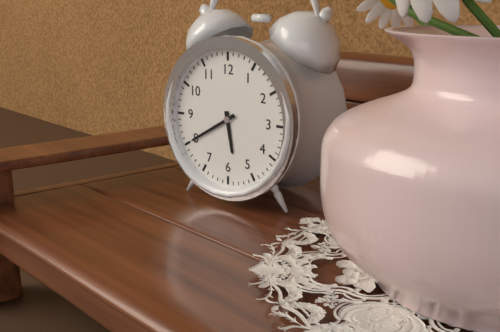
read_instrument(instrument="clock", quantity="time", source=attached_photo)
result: 5:40
